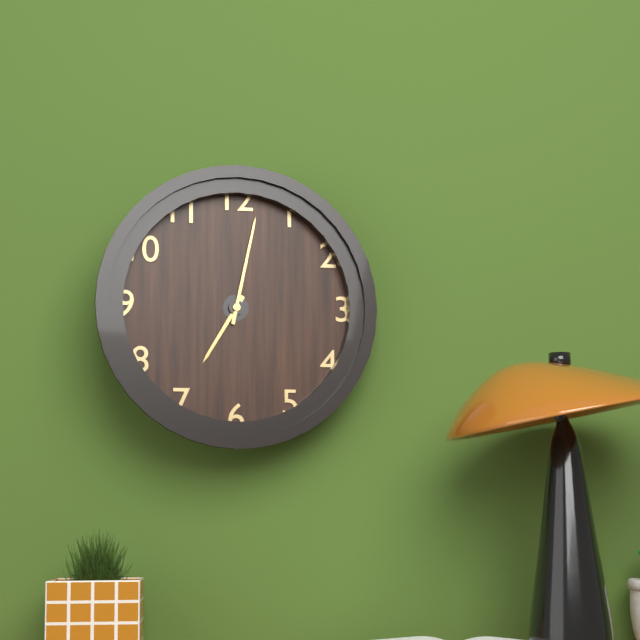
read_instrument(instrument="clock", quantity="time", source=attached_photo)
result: 7:02
